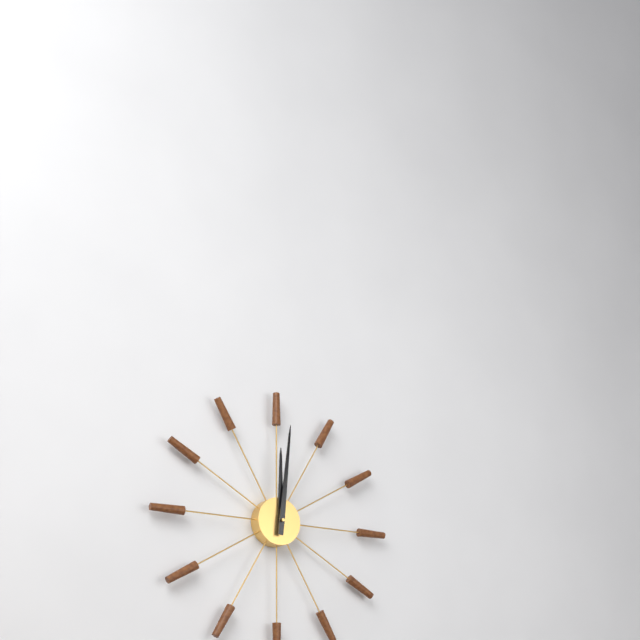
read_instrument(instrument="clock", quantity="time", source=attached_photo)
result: 12:01
